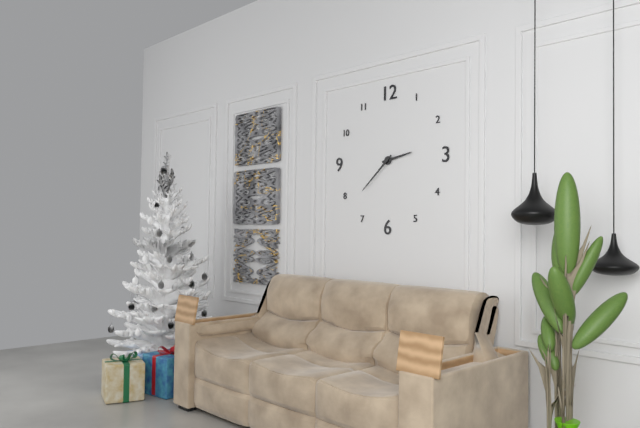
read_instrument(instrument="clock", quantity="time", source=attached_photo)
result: 2:38
